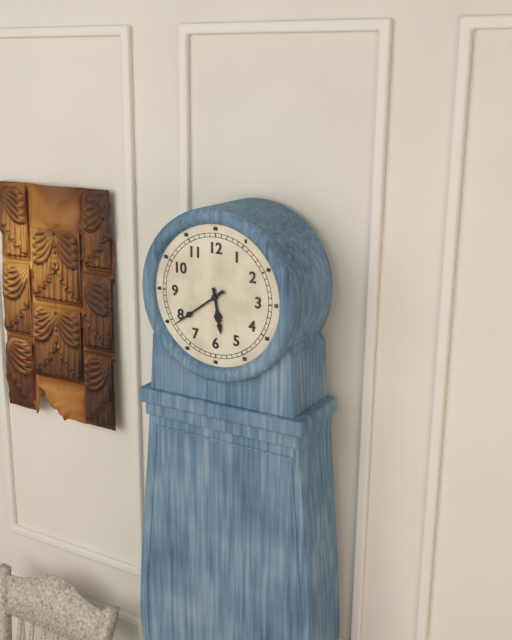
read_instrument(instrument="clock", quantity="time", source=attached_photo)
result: 5:39
